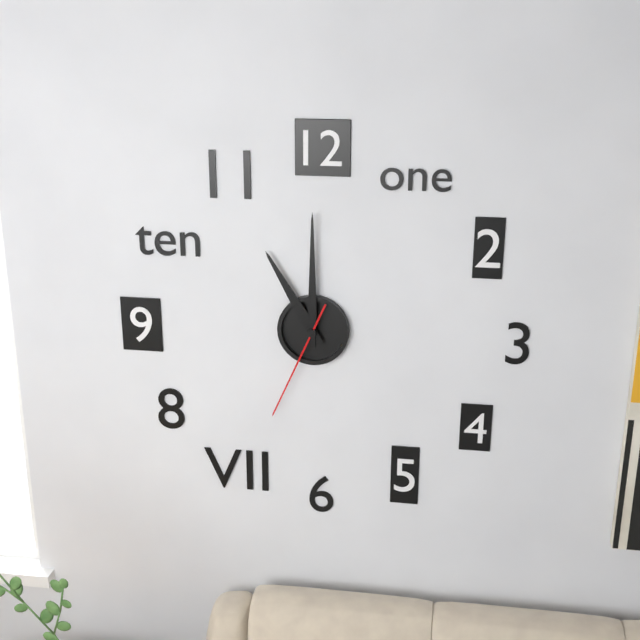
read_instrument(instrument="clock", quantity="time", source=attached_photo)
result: 11:00:34
